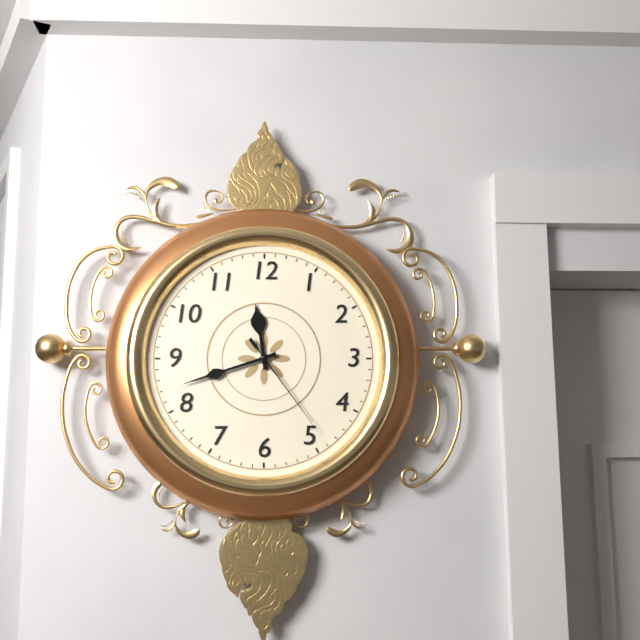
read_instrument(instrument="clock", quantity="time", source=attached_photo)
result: 11:42:24
